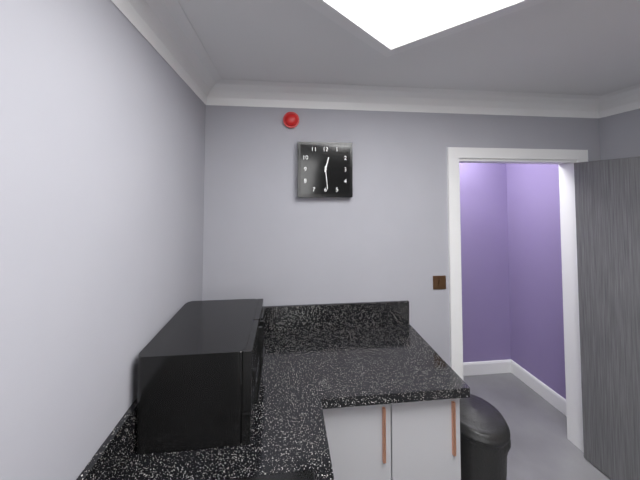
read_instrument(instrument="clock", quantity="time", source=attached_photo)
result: 12:29
